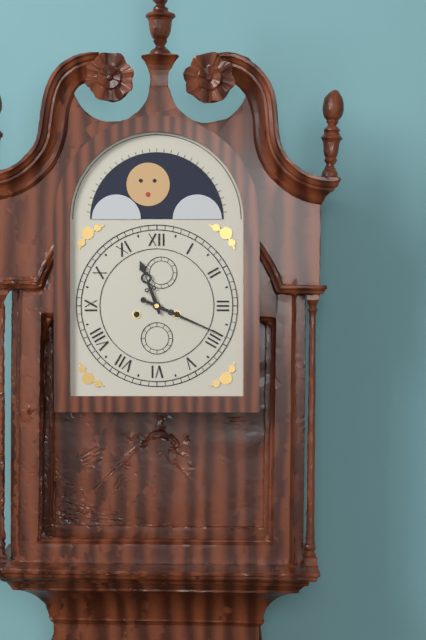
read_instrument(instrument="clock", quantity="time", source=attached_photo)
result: 11:19
